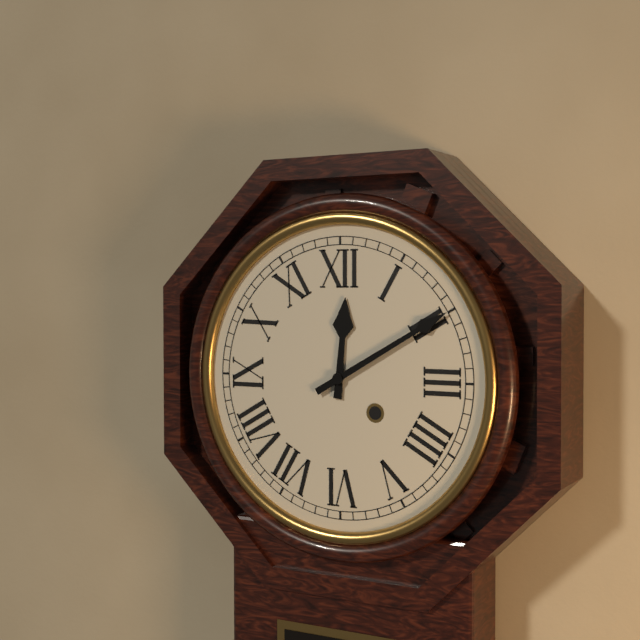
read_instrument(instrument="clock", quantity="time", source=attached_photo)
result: 12:10
